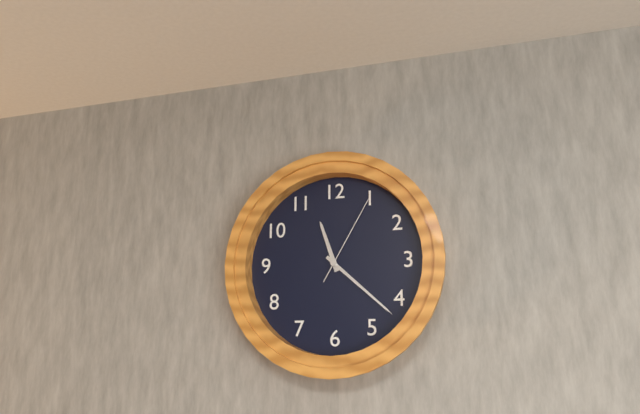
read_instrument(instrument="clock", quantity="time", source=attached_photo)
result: 11:22:05
